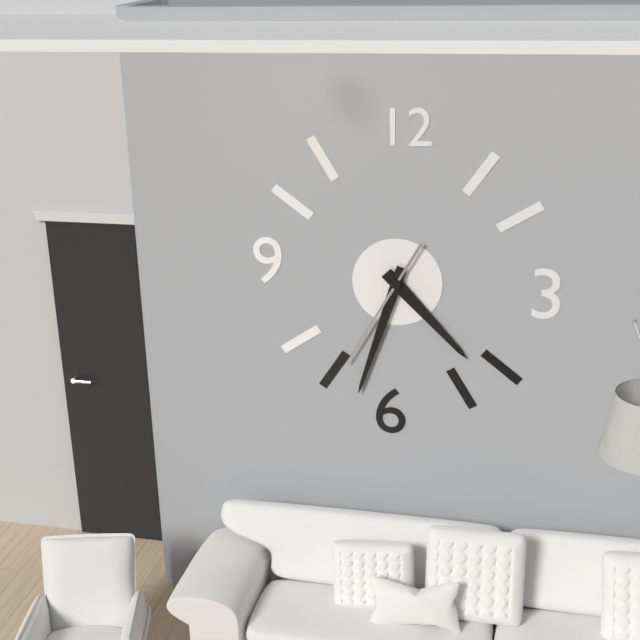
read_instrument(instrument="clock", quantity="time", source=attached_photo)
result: 4:33:35
